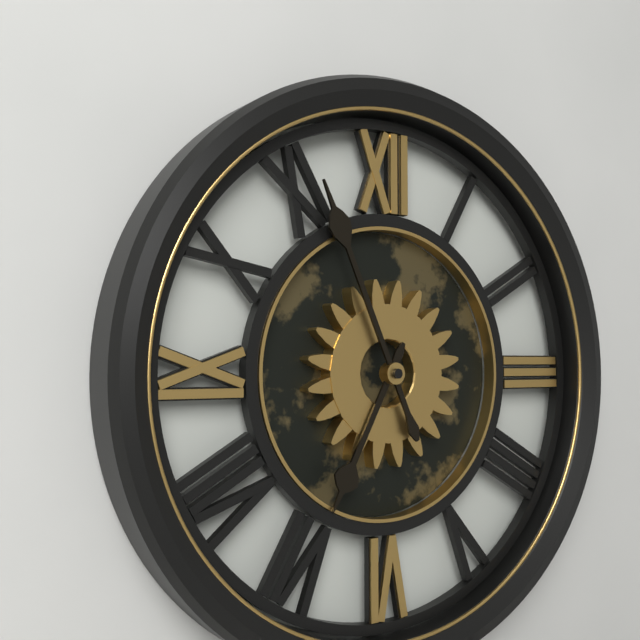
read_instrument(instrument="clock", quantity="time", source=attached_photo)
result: 6:56
